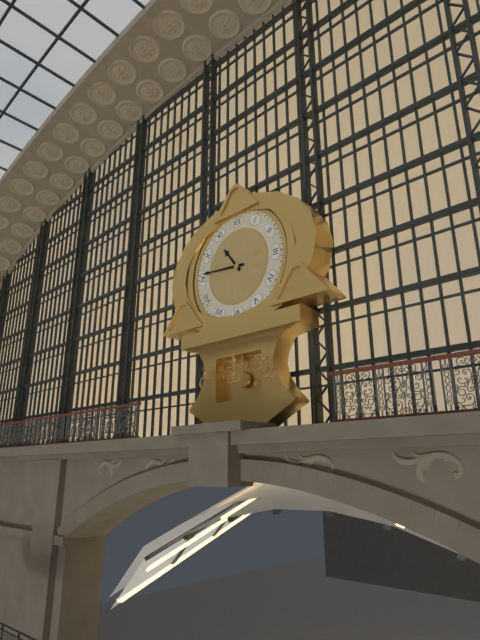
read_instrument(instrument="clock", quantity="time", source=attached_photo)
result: 10:46
